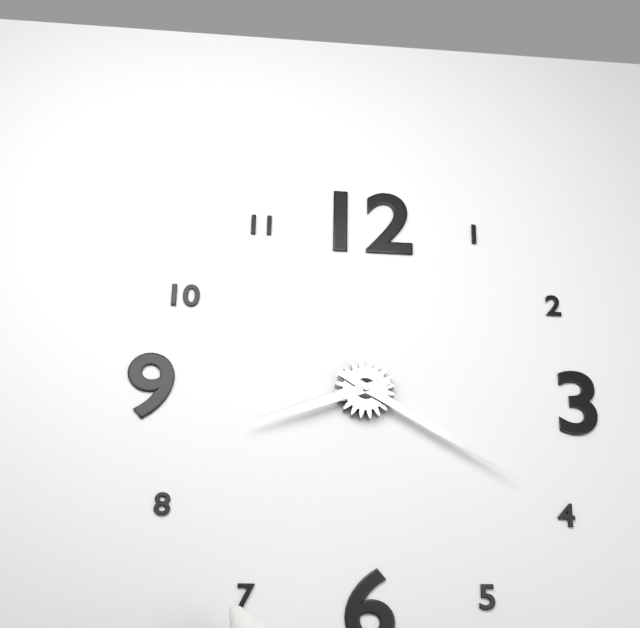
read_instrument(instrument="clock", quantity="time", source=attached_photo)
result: 8:20
